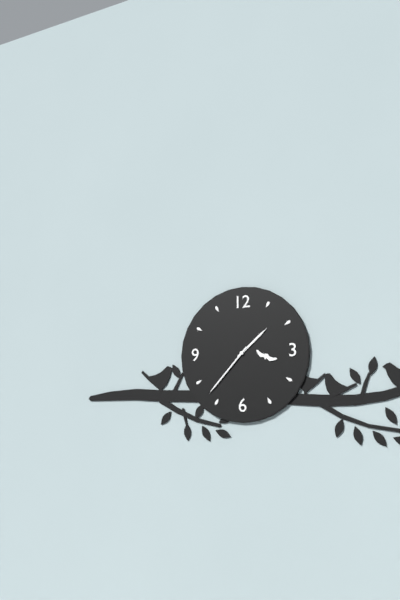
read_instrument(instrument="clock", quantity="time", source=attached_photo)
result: 1:37
